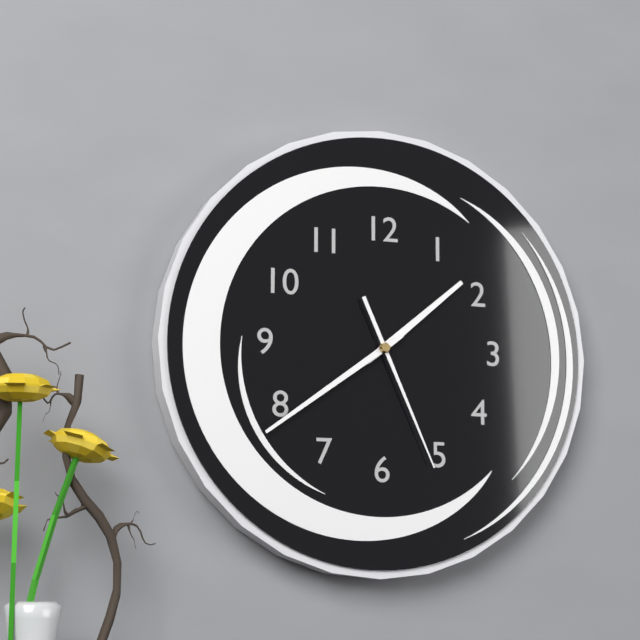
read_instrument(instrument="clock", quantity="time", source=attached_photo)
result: 1:39:26
